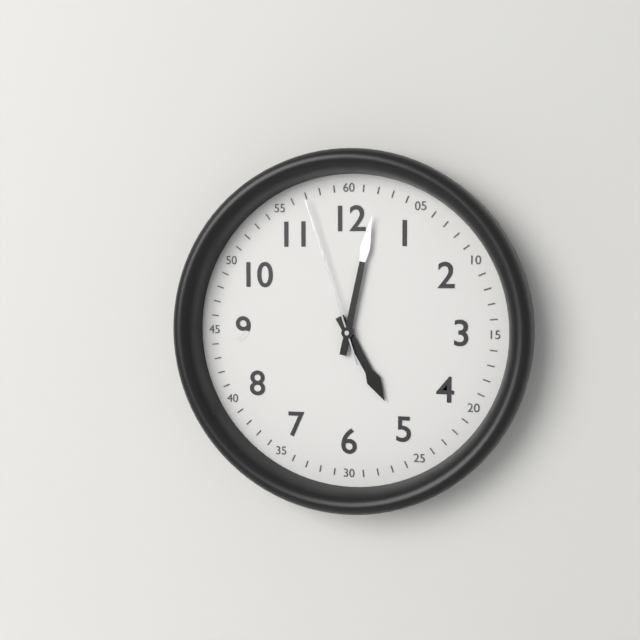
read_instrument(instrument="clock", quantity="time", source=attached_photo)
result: 5:02:57
